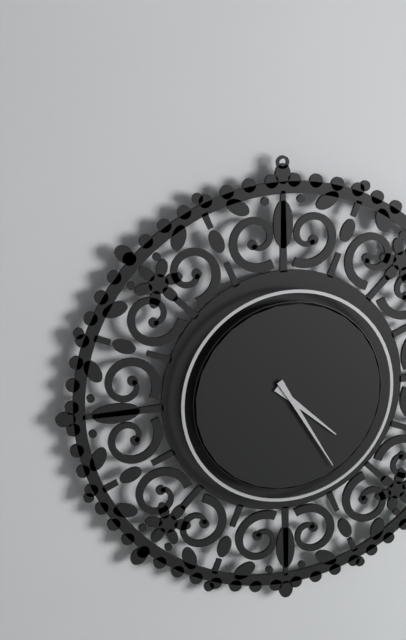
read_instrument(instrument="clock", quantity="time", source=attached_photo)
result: 4:25
